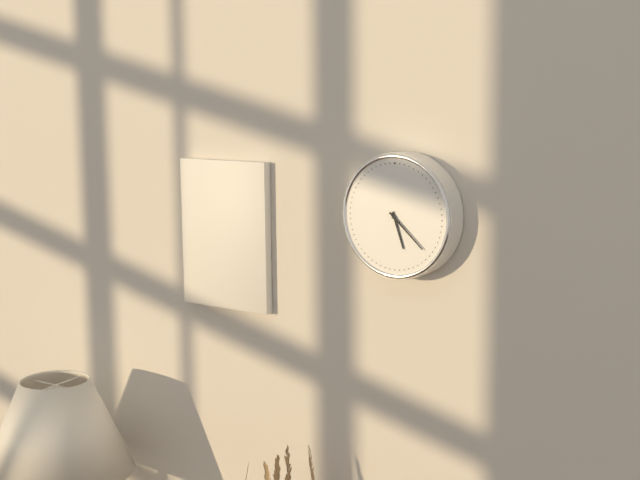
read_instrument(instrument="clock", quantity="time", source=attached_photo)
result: 5:22
